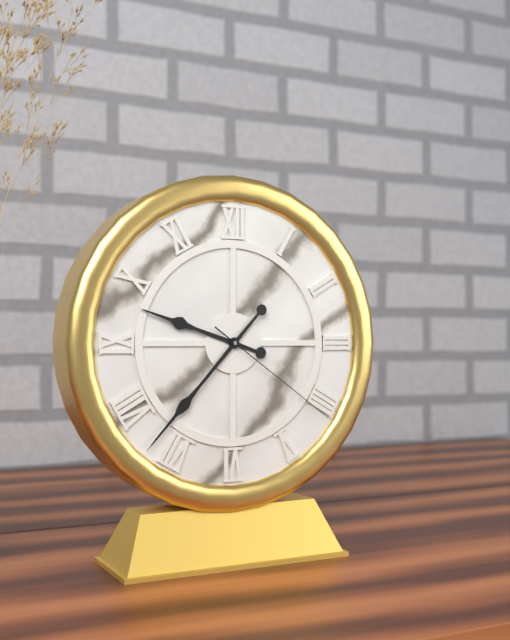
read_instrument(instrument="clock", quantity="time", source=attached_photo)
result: 9:37:21
